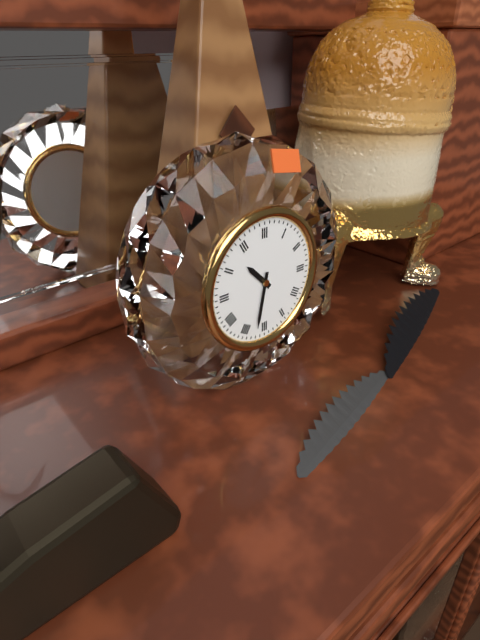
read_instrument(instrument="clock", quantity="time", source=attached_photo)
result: 10:32
